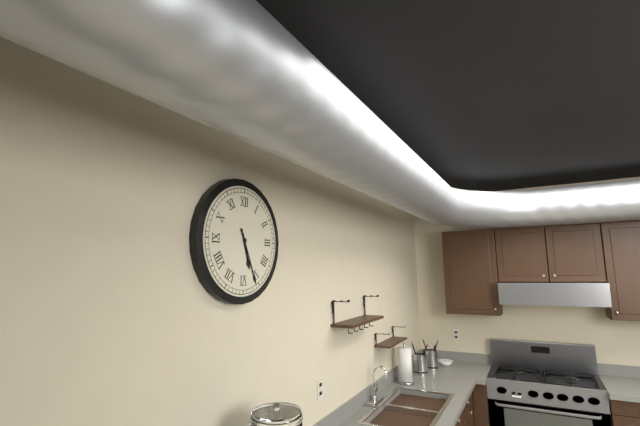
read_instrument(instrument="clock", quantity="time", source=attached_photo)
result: 5:26
